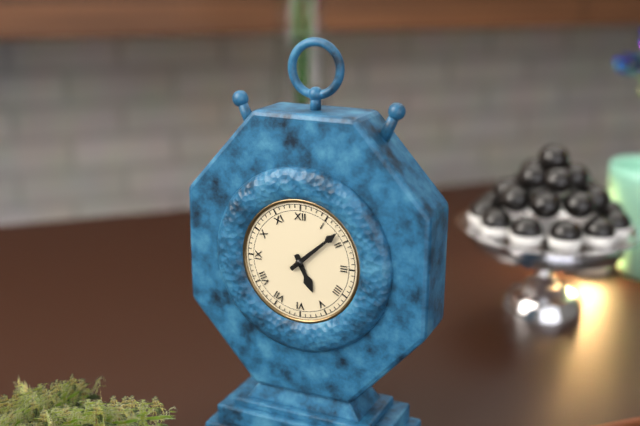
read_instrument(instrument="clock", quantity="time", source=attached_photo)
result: 5:08
